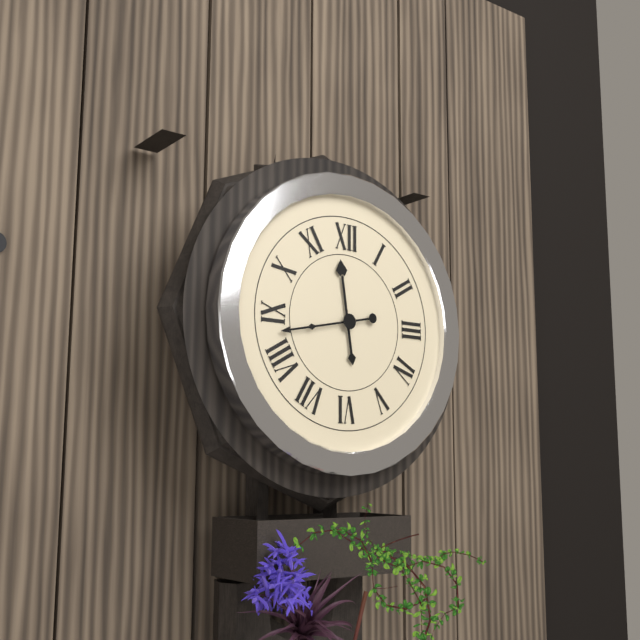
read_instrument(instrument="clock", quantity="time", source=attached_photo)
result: 11:43
